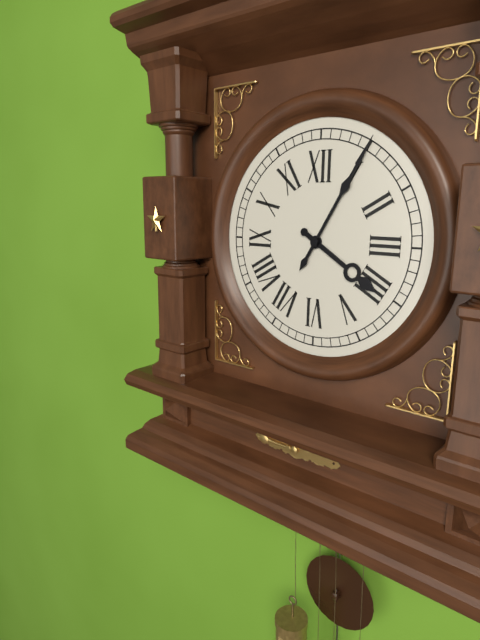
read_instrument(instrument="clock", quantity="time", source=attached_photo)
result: 4:05
